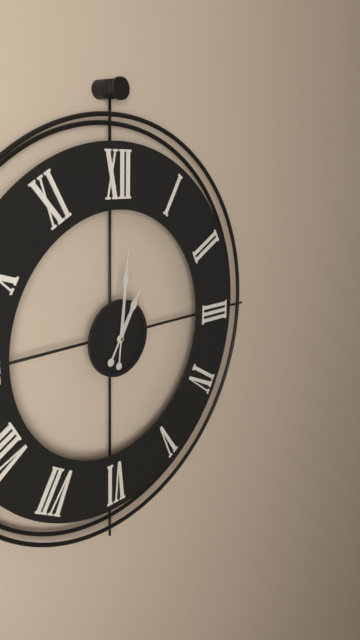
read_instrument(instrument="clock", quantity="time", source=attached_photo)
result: 1:01
